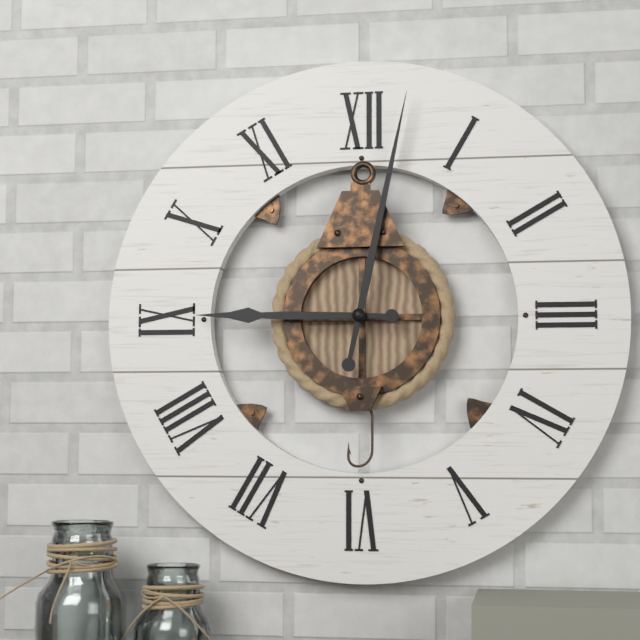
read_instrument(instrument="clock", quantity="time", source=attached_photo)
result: 9:02
